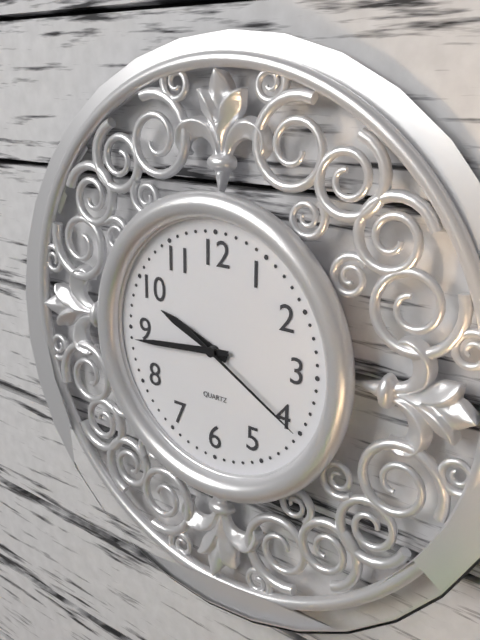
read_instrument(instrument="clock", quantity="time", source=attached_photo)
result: 9:44:20
